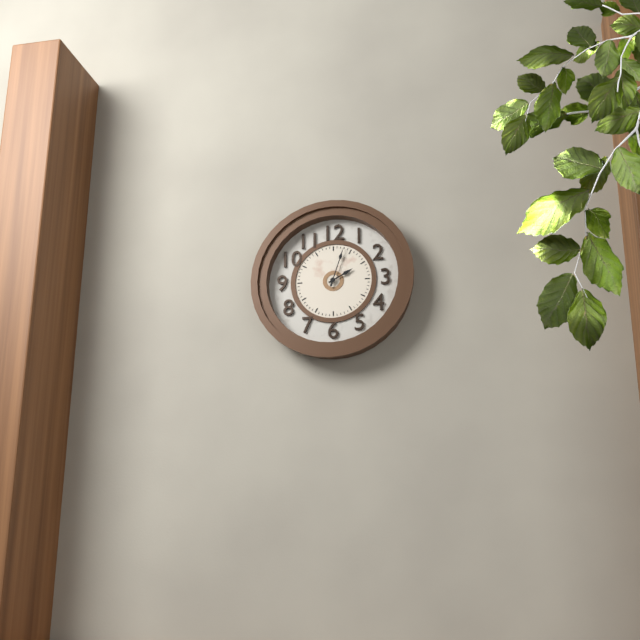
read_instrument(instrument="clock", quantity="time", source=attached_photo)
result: 2:03
